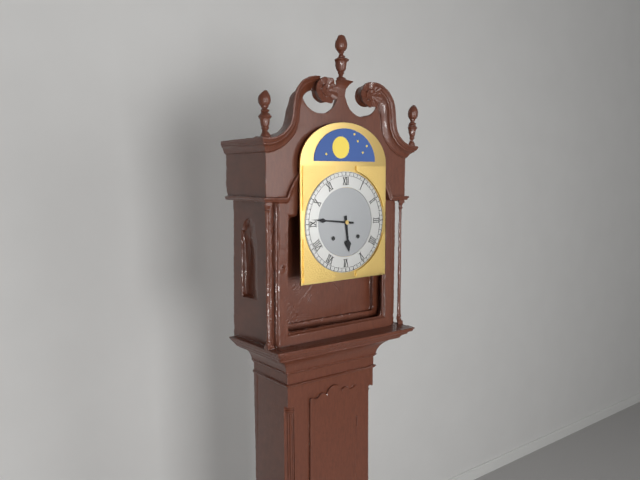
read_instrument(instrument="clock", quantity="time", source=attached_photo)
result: 5:46
